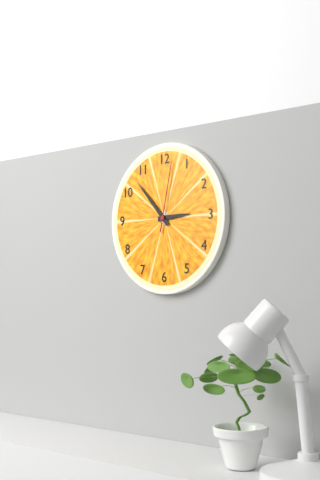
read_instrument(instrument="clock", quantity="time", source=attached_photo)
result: 2:53:02
